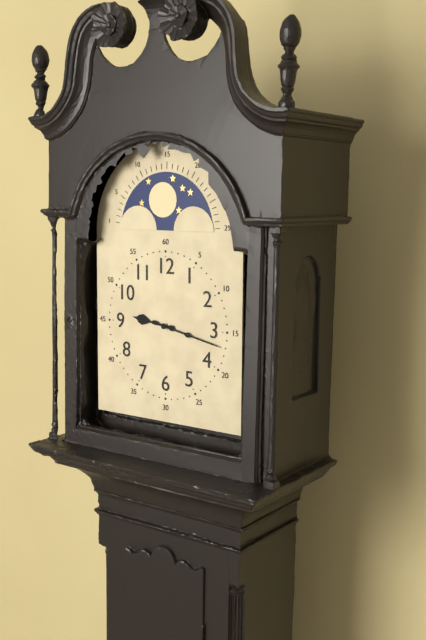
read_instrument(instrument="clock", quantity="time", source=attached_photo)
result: 9:17
